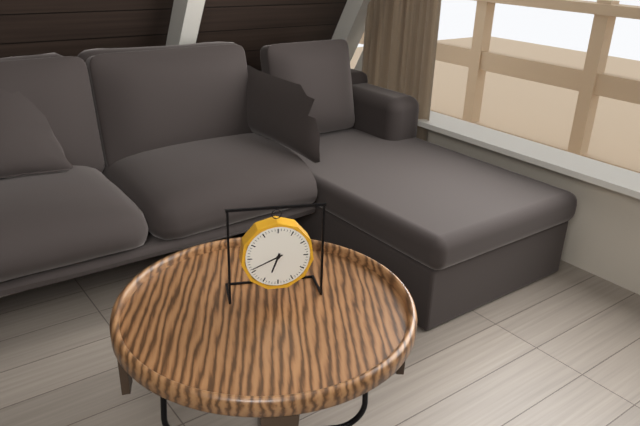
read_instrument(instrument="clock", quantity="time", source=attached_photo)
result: 6:41
